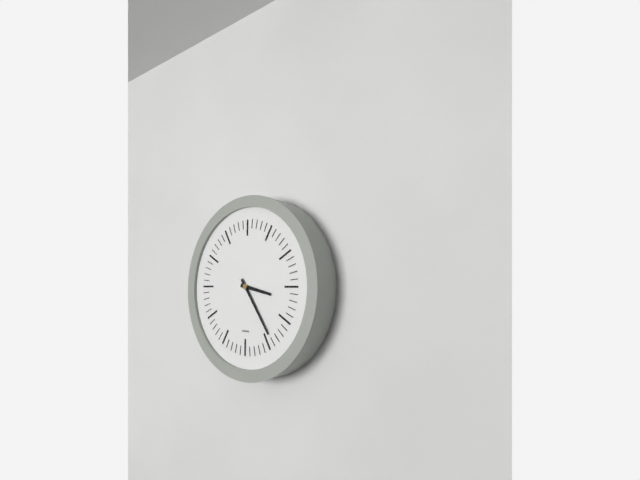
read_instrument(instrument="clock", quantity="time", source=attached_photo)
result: 3:24
